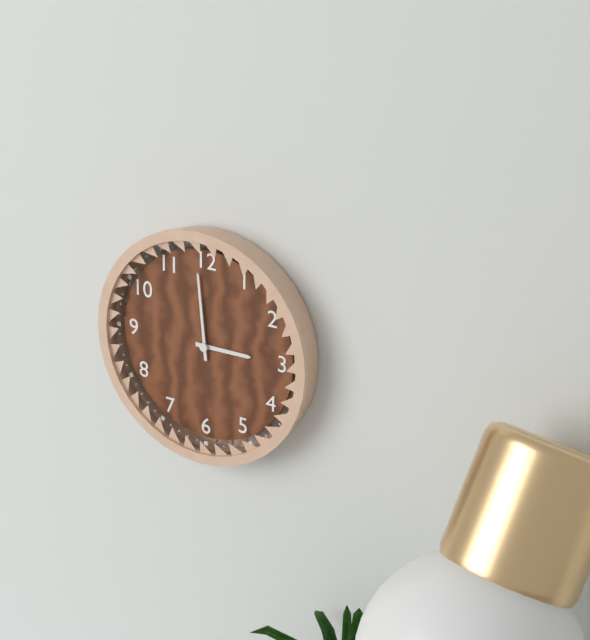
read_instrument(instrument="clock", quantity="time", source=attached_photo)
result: 2:59
